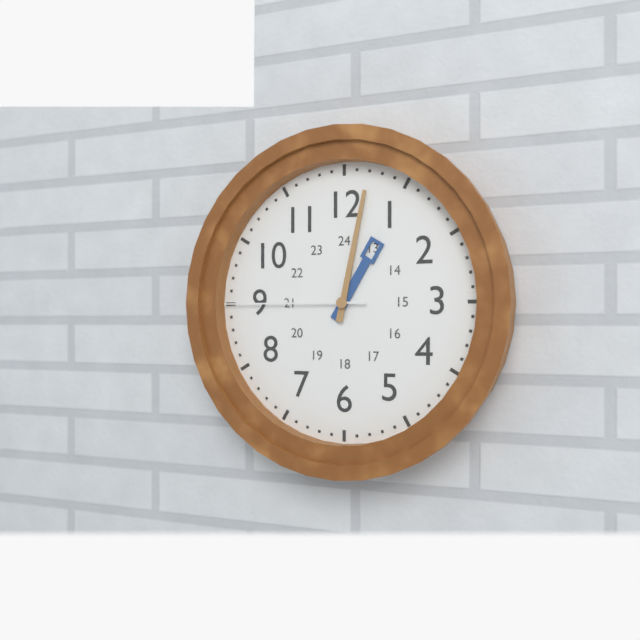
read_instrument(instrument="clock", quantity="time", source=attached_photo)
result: 1:02:45
